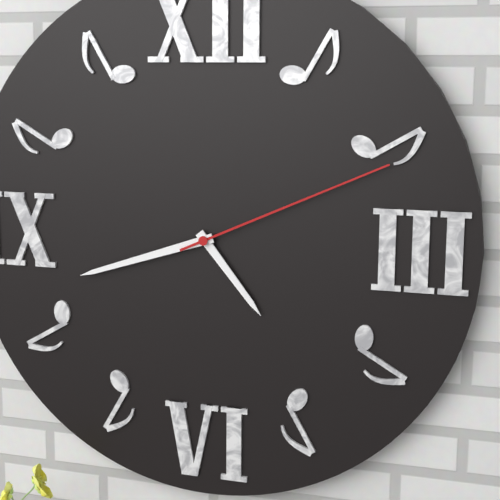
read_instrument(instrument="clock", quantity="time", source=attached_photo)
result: 4:42:11
